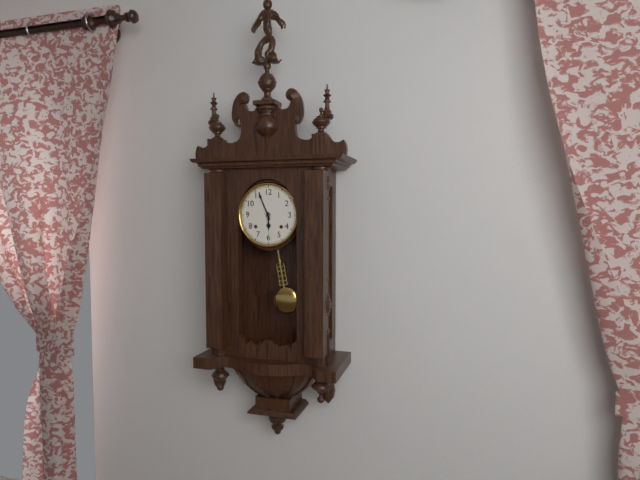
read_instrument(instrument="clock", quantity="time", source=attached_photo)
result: 5:56
